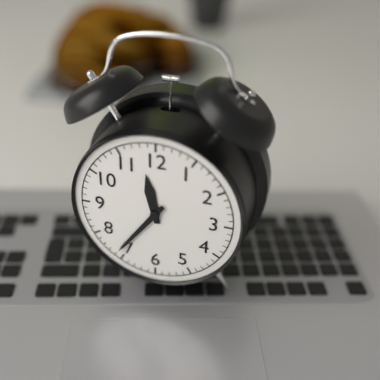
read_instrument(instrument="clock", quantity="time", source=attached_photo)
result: 11:36
